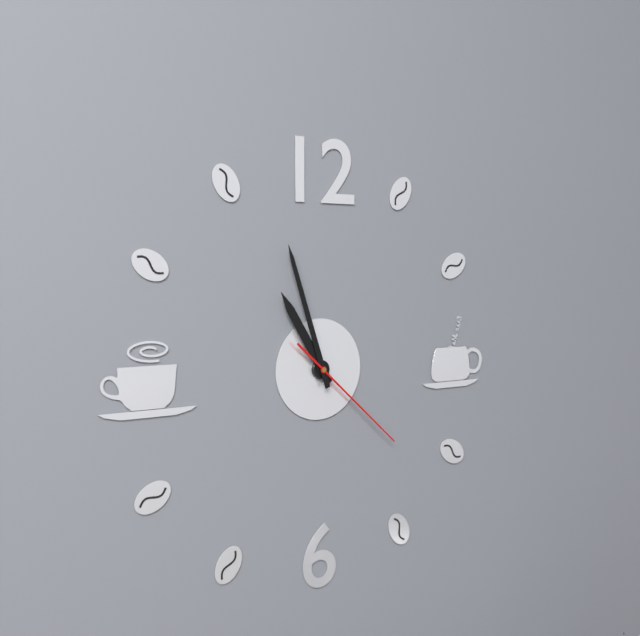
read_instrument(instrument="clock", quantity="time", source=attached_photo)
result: 10:57:22
